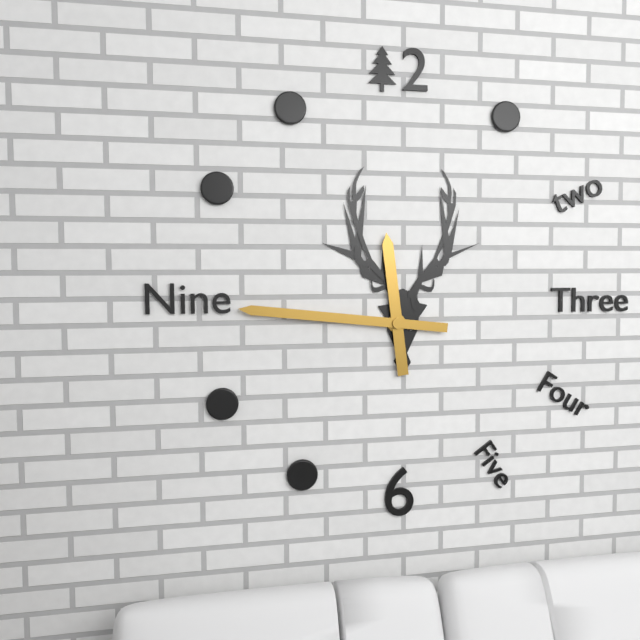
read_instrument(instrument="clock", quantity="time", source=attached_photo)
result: 11:46
